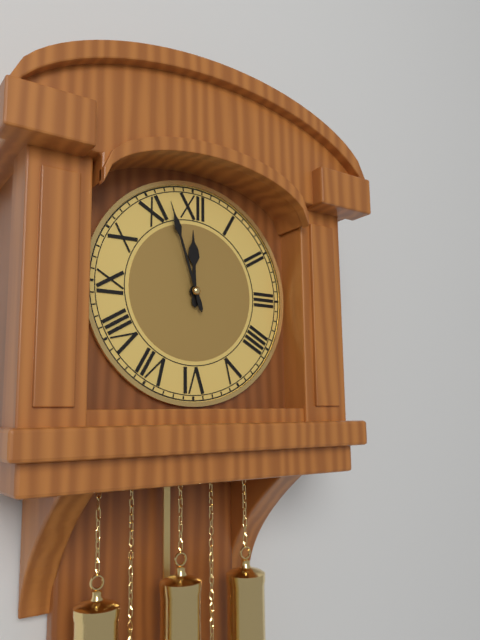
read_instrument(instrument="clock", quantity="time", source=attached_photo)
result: 11:57
